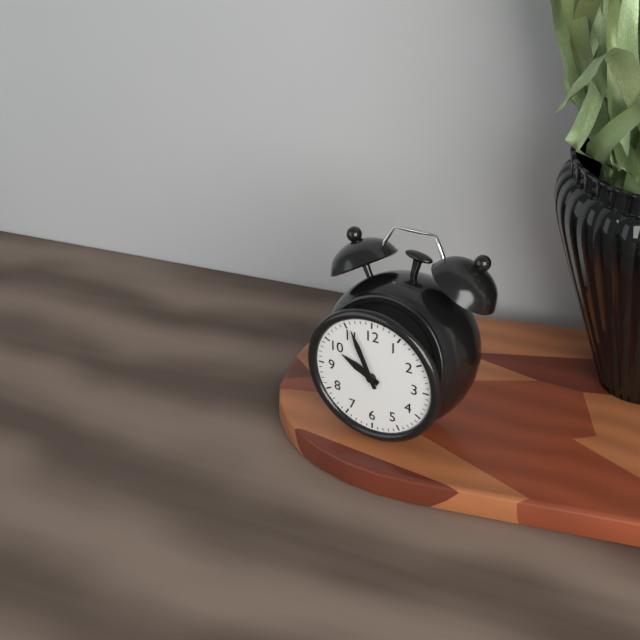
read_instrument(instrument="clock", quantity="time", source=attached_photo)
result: 9:56
